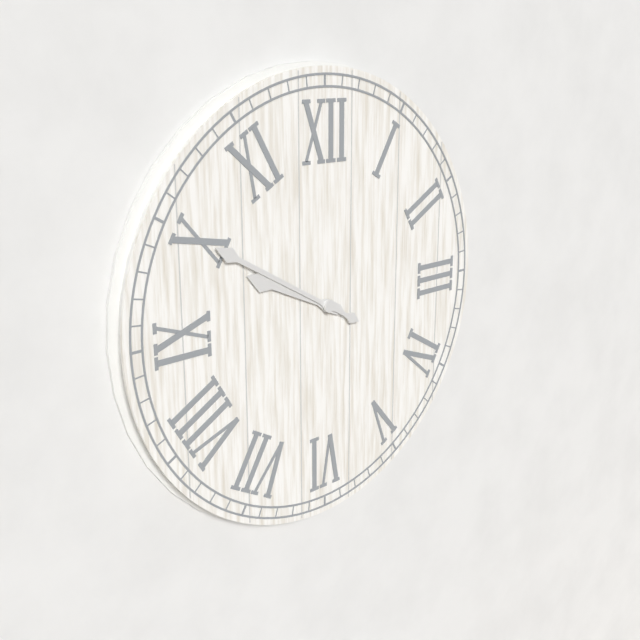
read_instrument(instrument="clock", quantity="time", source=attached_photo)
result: 9:50
